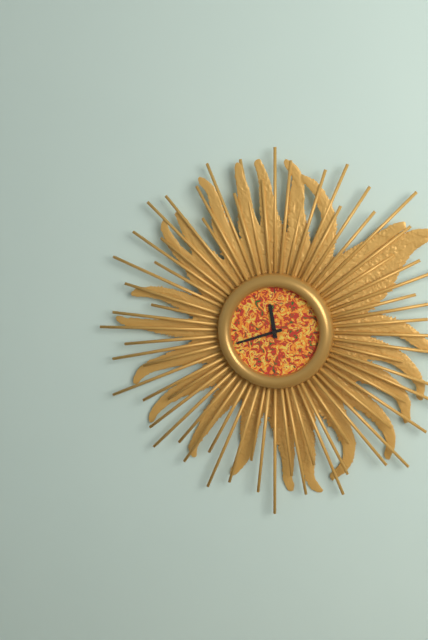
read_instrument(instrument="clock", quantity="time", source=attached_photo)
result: 11:42
